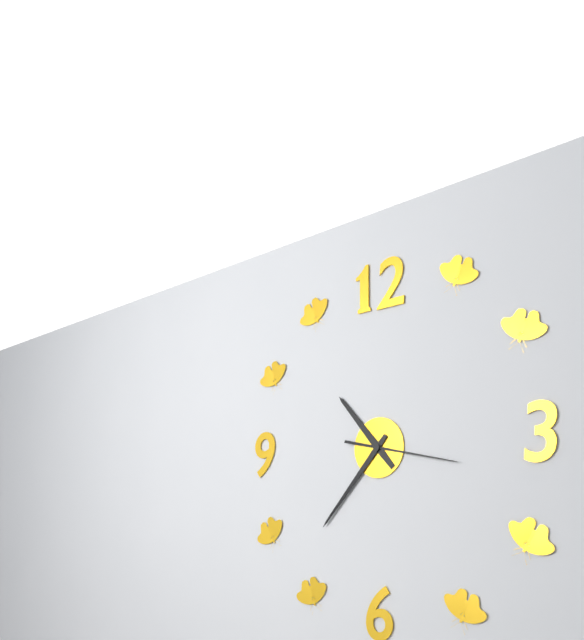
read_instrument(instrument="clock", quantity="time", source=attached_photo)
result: 10:37:17
